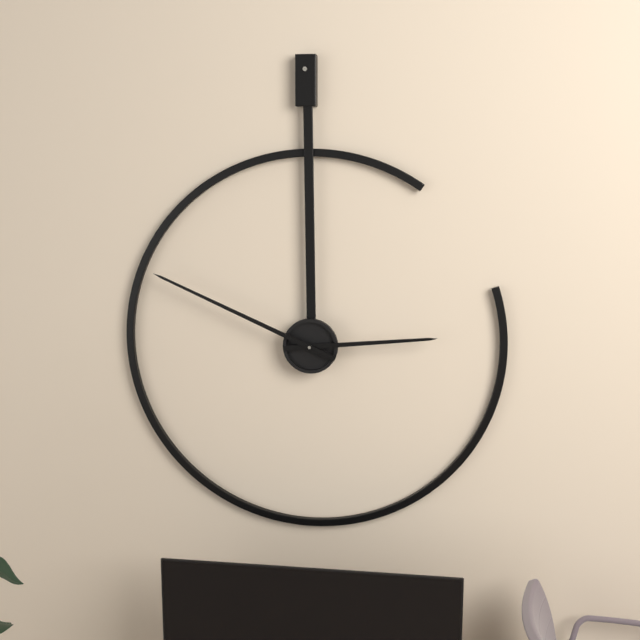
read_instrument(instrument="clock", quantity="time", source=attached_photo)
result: 2:49
